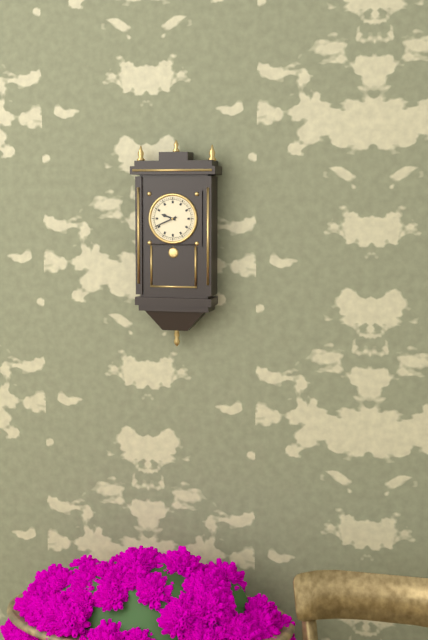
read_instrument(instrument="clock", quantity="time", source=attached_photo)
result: 9:41
